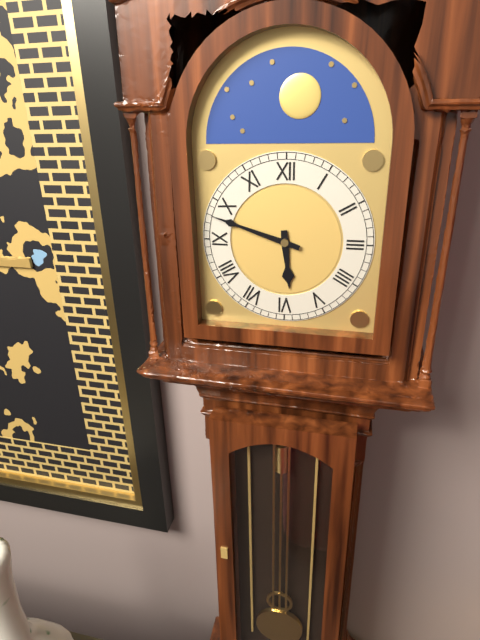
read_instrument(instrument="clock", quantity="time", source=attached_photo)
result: 5:48
